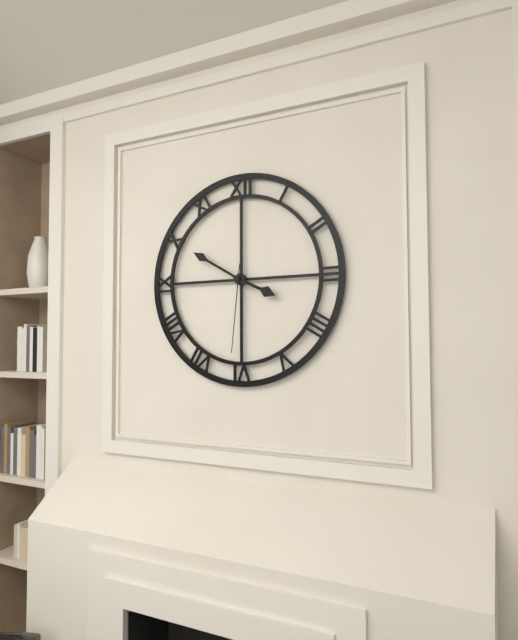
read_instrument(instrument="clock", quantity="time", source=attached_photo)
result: 3:50:31
